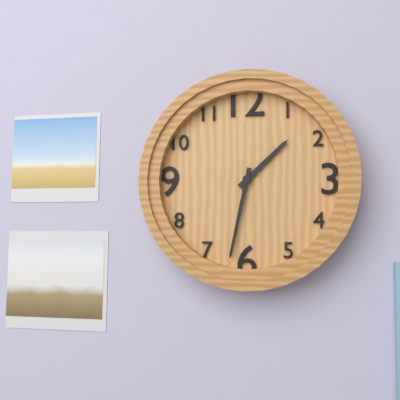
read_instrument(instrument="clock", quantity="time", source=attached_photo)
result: 1:32
